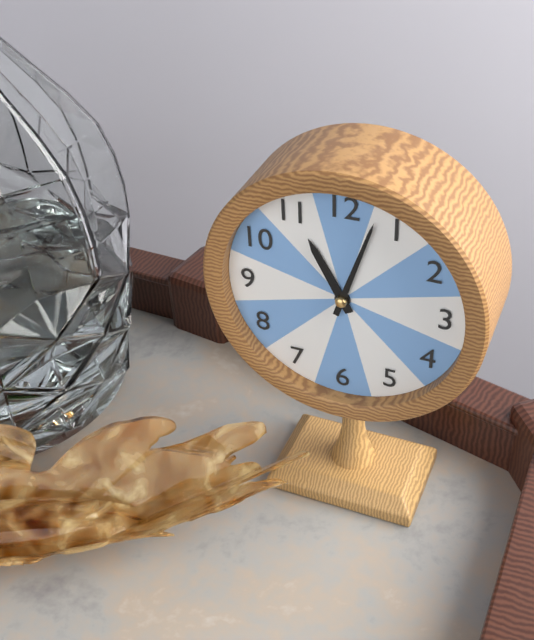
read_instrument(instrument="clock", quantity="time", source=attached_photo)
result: 11:03
